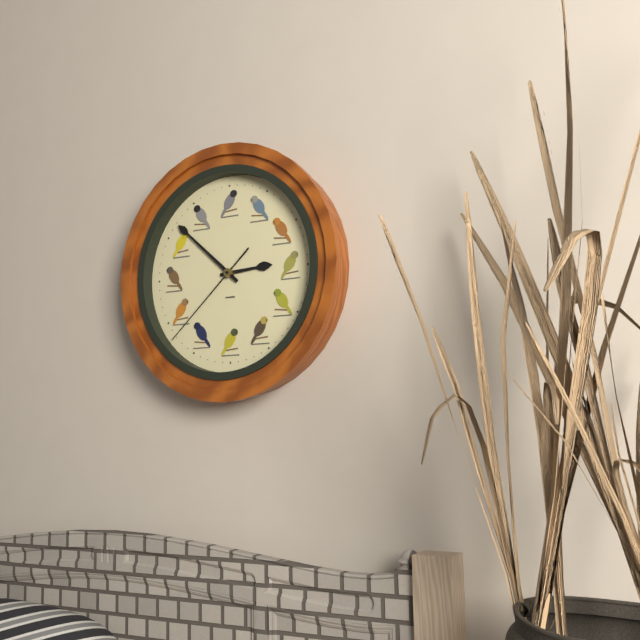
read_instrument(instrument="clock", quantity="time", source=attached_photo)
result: 2:52:38
